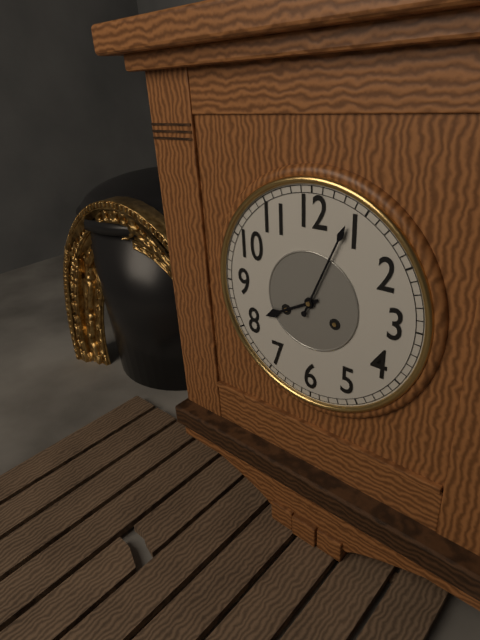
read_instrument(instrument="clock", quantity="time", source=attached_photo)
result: 8:04
